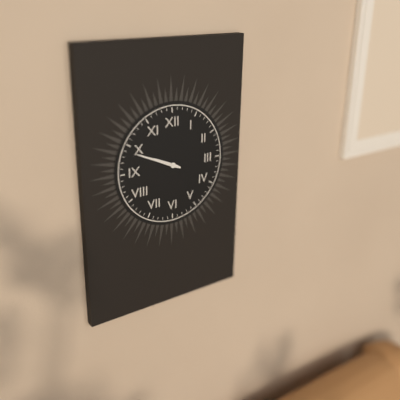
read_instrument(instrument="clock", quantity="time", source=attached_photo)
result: 9:49
